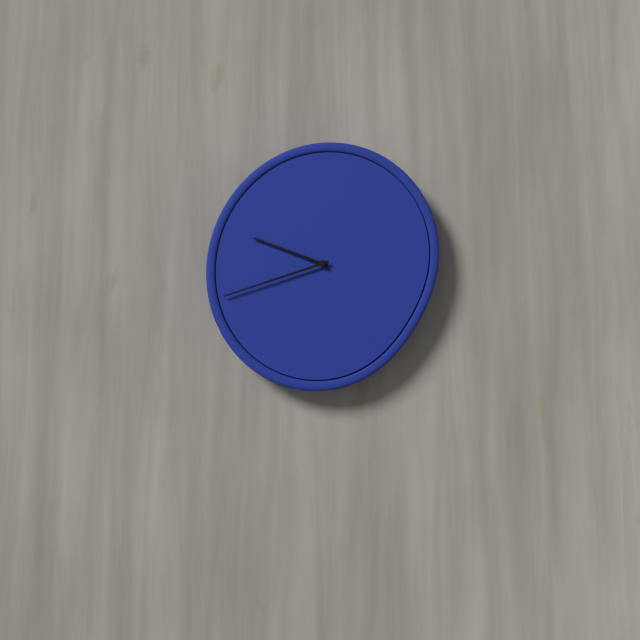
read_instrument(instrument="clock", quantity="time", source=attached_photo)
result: 9:42
